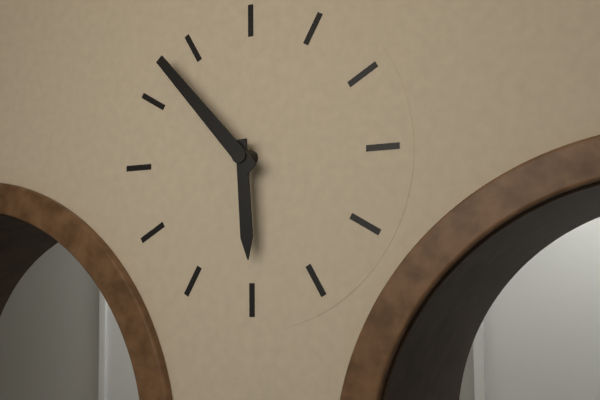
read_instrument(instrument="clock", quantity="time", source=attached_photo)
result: 5:53
